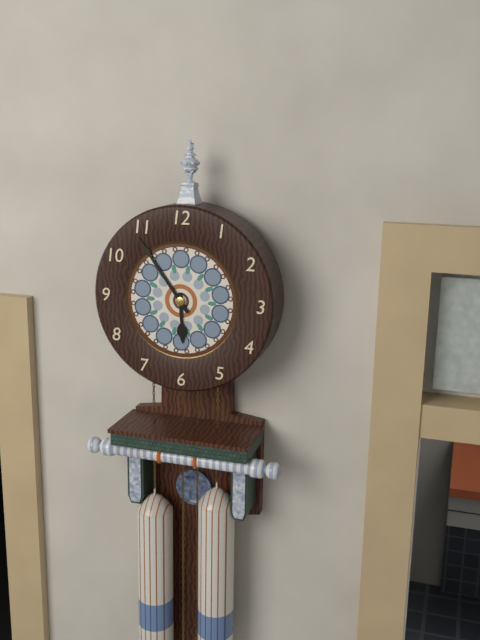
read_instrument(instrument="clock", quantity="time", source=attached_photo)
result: 5:54
